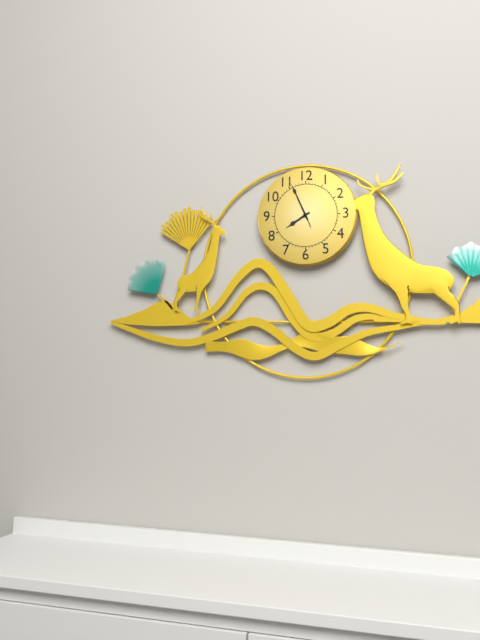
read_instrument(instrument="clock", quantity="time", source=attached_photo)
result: 7:56
